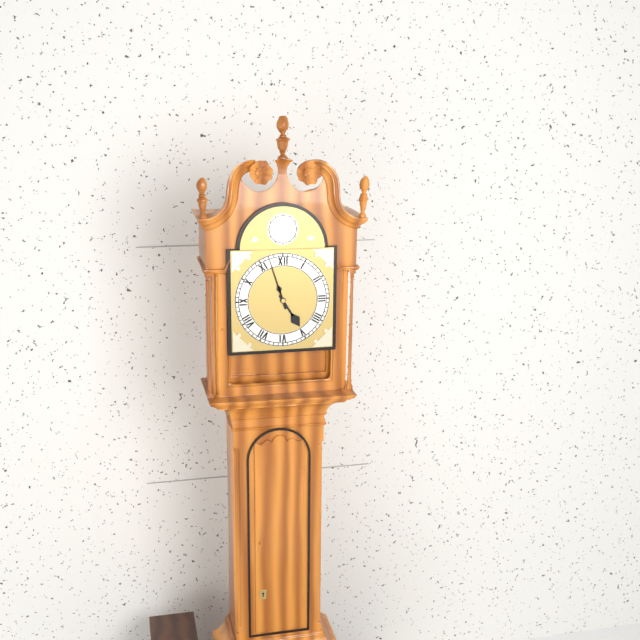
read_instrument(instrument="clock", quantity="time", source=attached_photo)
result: 4:57
